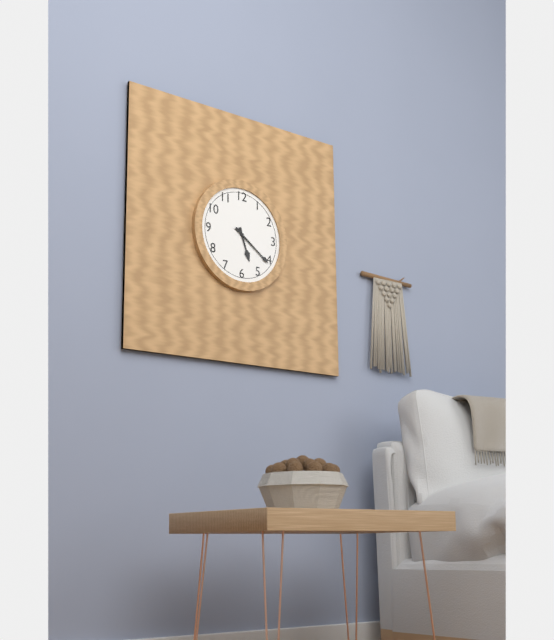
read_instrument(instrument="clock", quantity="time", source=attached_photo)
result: 5:21
